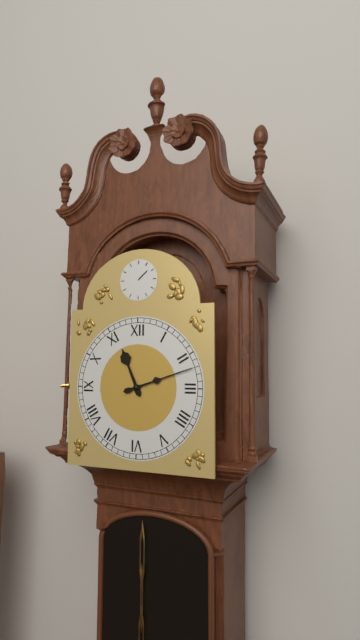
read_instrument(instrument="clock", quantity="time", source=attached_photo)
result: 11:12
